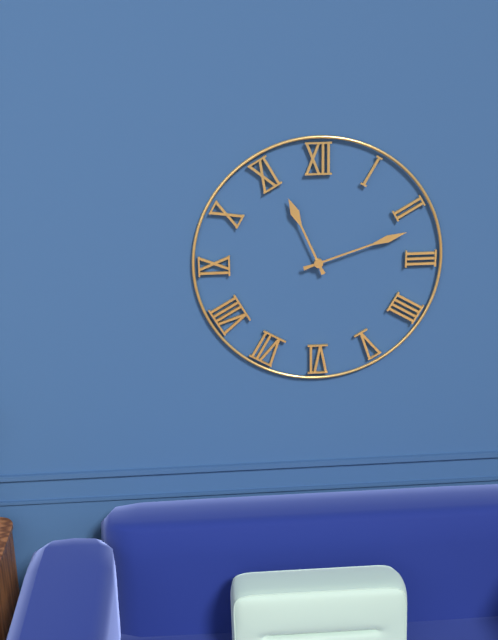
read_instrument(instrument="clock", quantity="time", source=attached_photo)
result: 11:12
